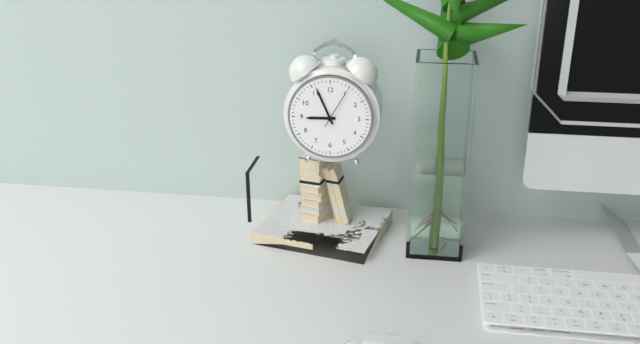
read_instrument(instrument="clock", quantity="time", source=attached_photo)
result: 8:56
